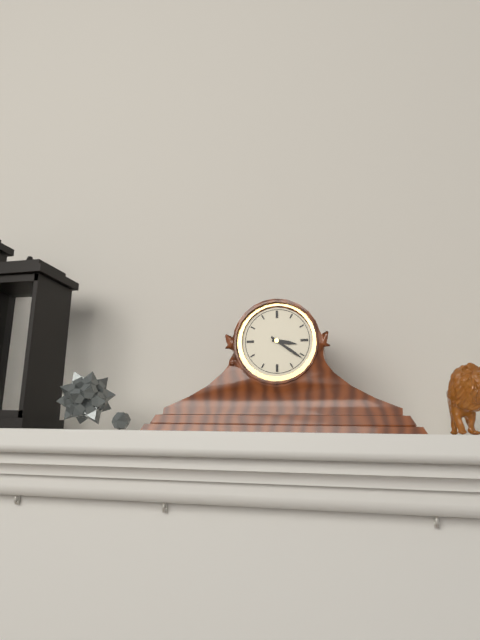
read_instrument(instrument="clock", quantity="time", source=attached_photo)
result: 3:21
